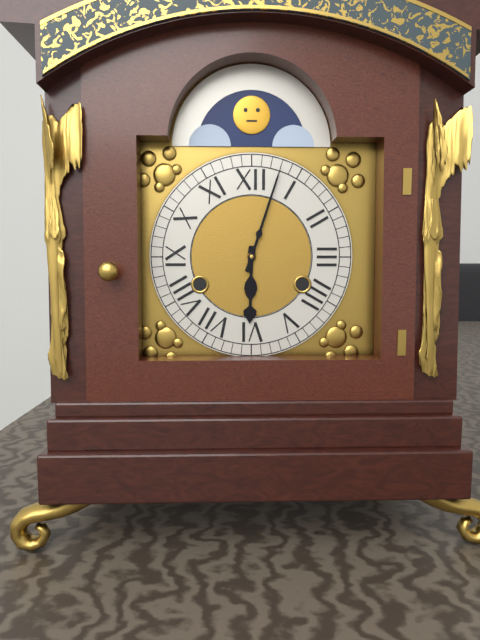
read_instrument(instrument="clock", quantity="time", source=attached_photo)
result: 6:03
